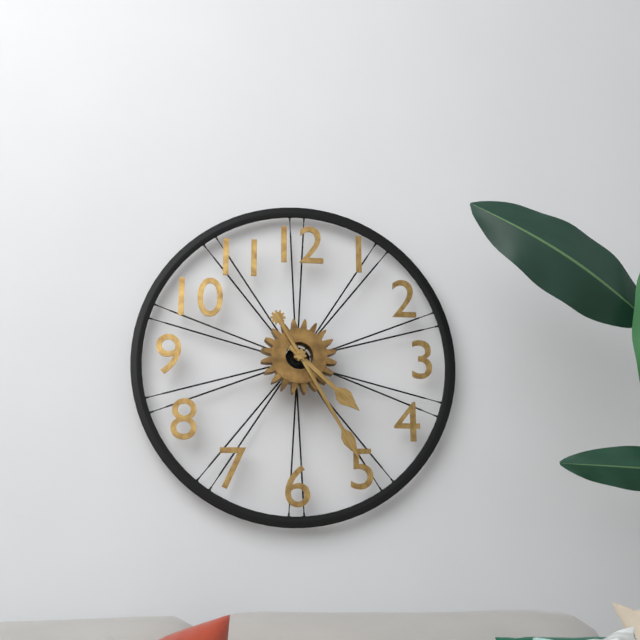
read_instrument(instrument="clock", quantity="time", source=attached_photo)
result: 4:25
